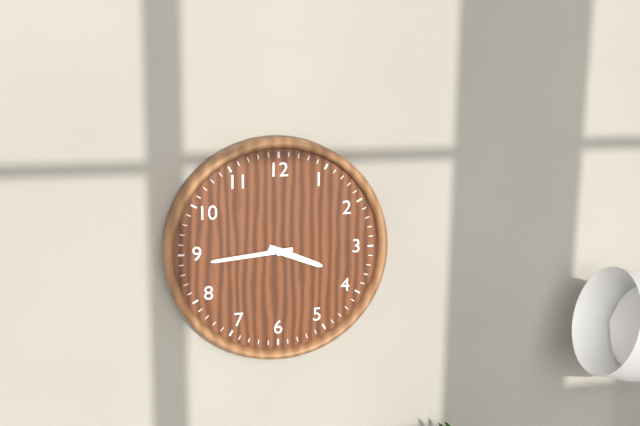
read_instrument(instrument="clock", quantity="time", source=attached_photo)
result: 3:44
